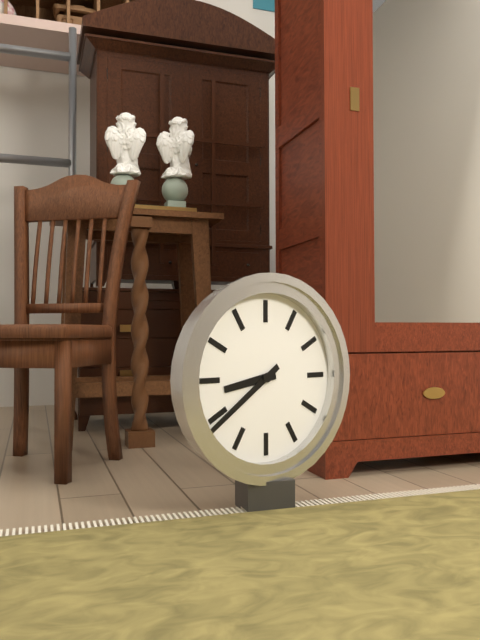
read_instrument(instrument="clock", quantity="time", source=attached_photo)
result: 8:39
